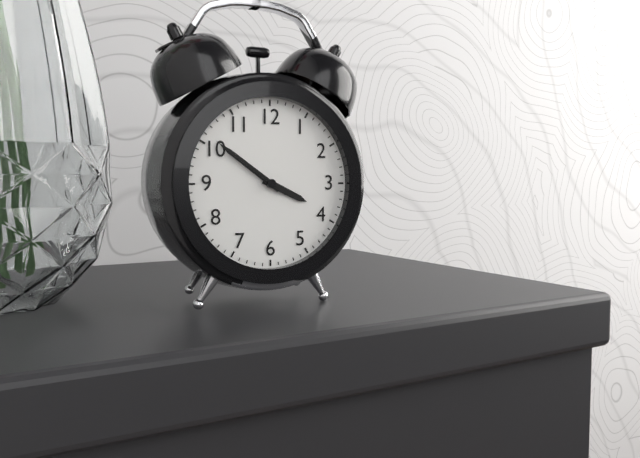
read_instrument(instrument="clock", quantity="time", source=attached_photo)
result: 3:51:51
